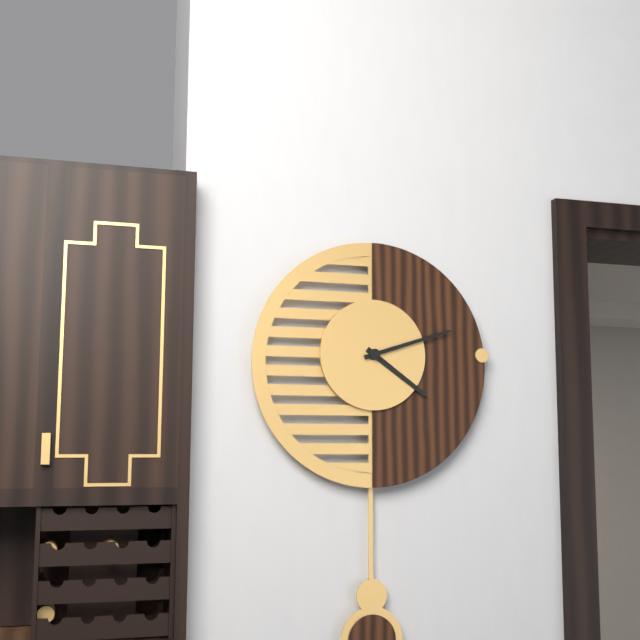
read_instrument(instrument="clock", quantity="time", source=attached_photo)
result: 4:12
